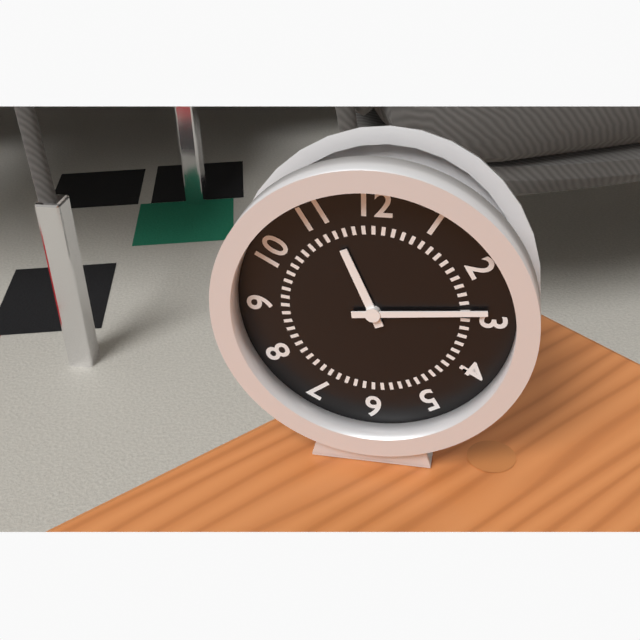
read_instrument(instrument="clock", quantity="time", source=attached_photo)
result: 11:14
